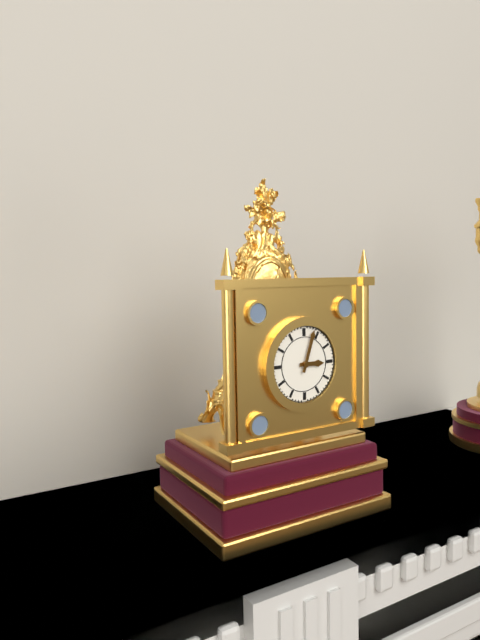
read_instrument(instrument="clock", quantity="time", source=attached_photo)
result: 3:03
